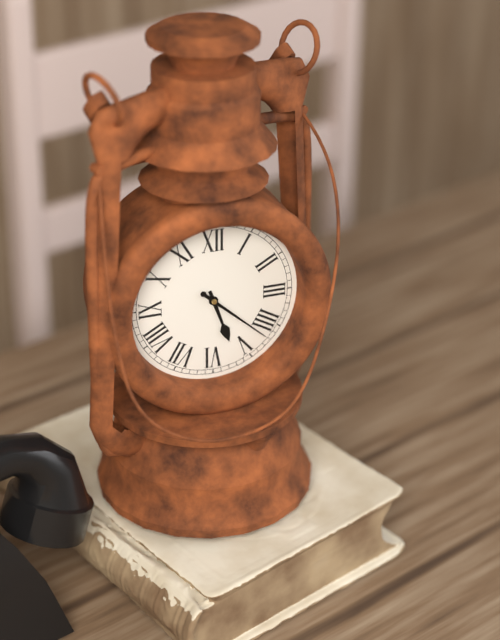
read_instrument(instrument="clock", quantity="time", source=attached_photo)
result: 5:22
